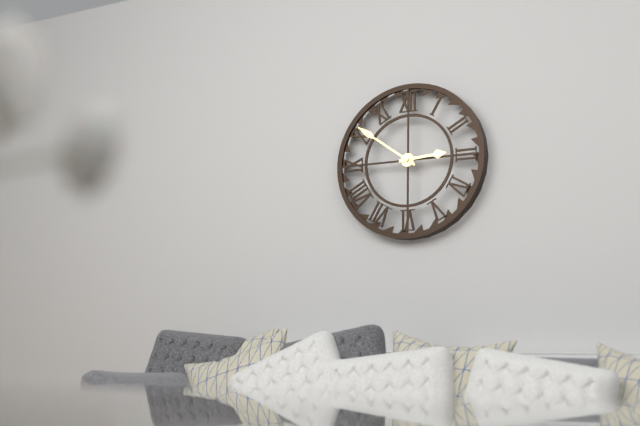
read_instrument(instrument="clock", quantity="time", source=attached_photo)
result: 2:51
